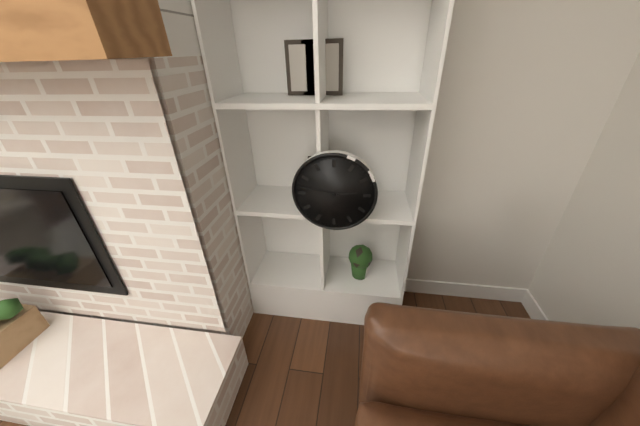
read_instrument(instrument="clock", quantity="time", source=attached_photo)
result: 2:47
